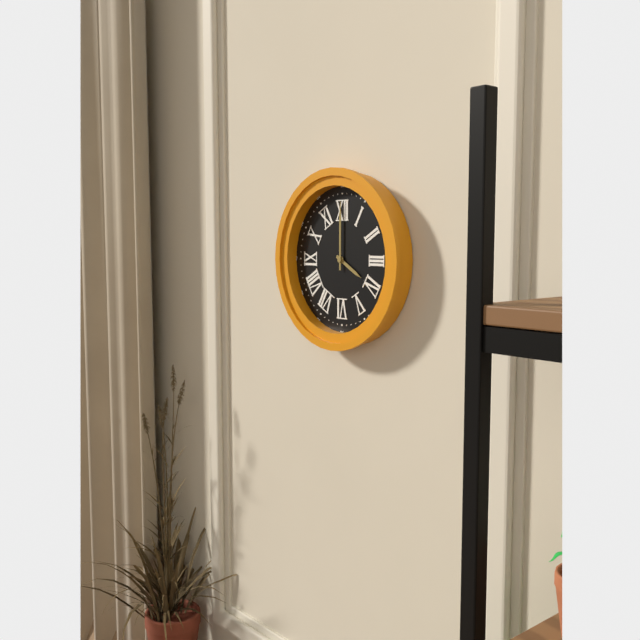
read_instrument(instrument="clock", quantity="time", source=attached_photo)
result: 4:00
